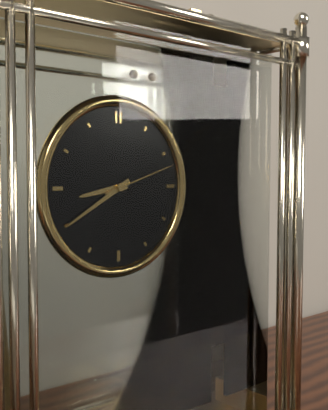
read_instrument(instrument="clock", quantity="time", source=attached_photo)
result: 8:40:12
